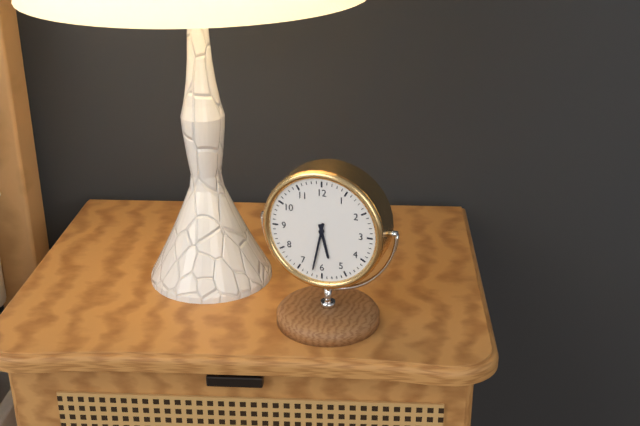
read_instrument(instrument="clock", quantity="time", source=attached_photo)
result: 5:32
